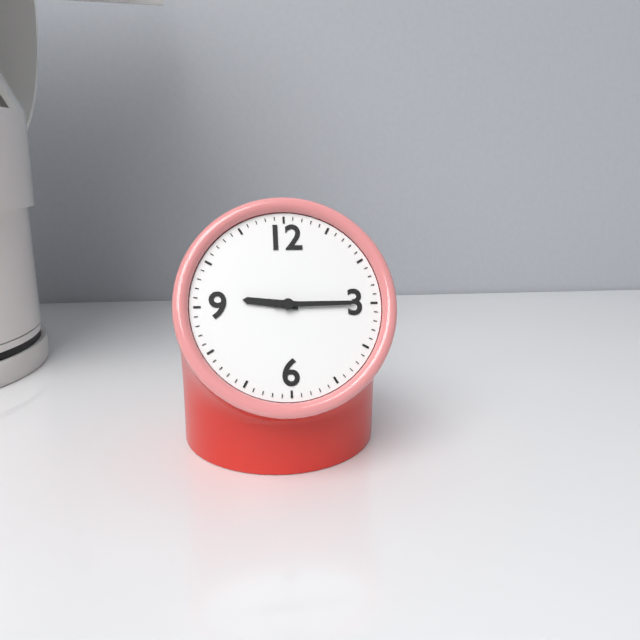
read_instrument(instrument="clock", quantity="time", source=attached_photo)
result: 9:15
